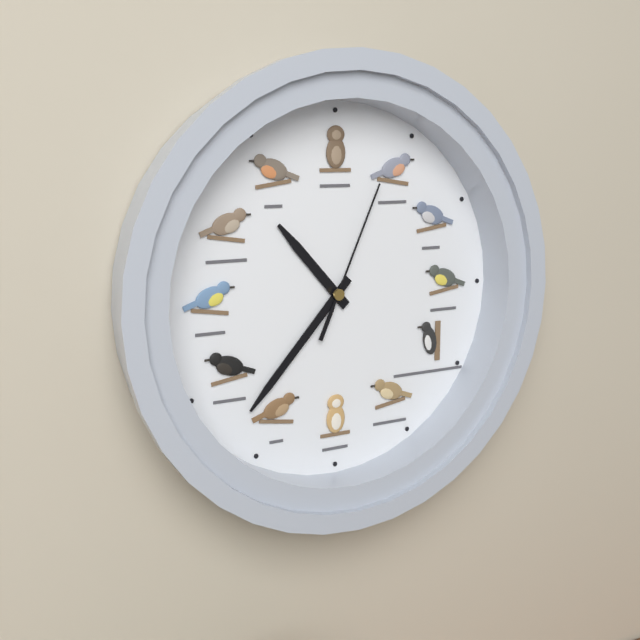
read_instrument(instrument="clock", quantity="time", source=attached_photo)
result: 10:37:04
